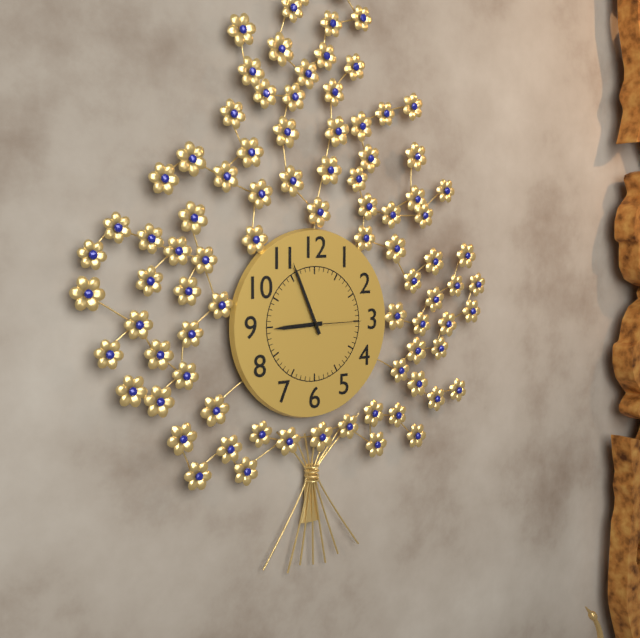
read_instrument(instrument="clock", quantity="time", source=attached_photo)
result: 8:56:15
